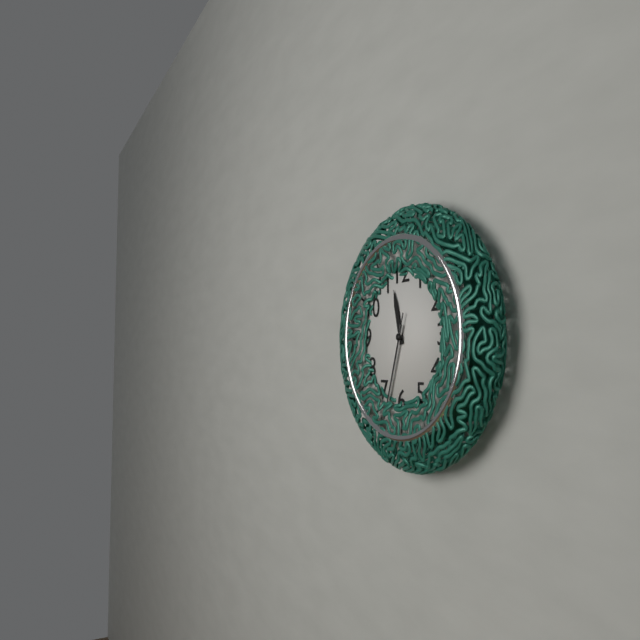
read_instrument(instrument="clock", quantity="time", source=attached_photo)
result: 11:33:33
